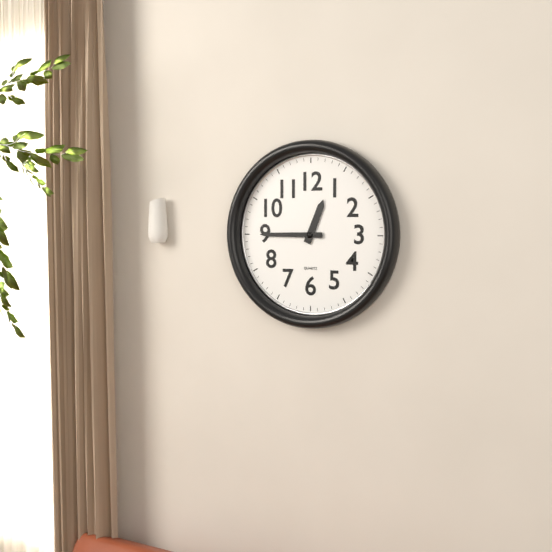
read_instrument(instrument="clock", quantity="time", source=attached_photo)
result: 12:45
